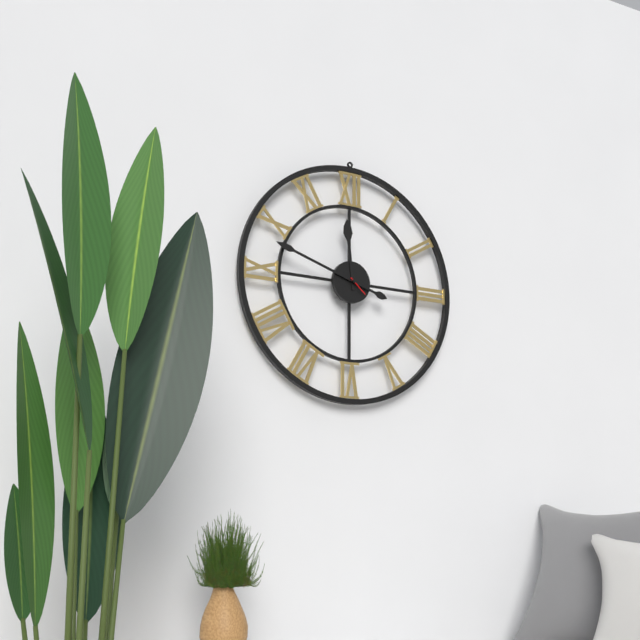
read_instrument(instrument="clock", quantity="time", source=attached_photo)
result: 11:48
